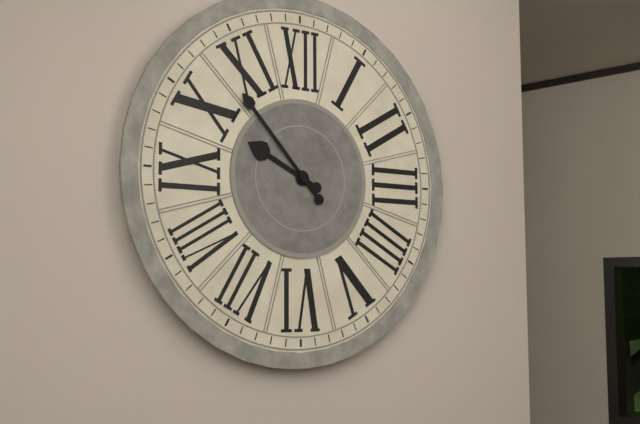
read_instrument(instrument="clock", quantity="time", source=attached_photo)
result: 9:53
